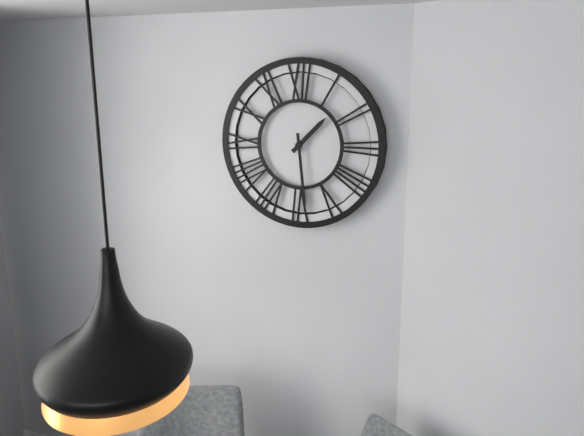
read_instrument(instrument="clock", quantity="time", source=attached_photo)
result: 1:29
